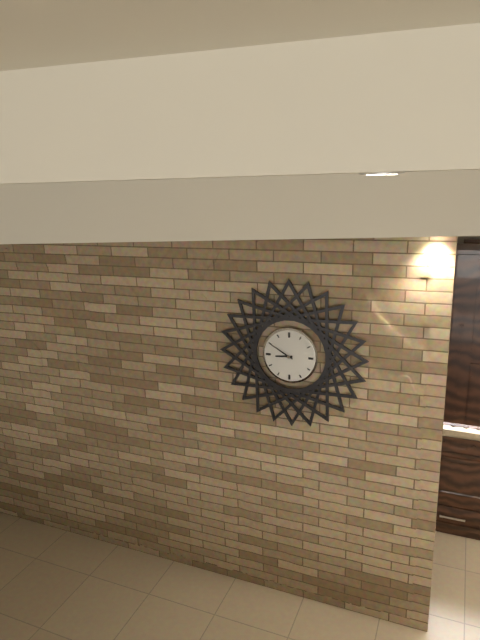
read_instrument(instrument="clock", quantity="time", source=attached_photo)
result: 8:50
